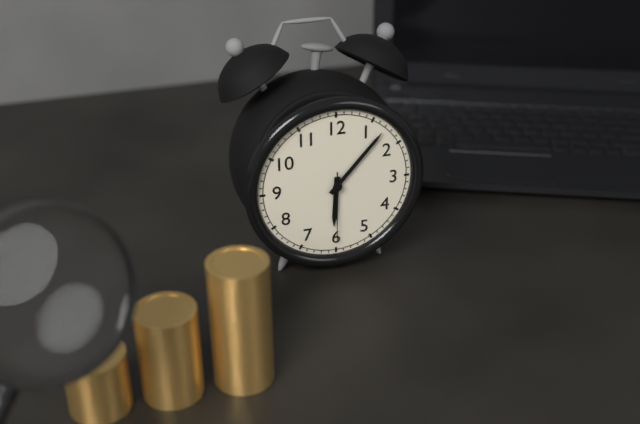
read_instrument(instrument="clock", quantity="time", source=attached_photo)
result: 6:07:30
